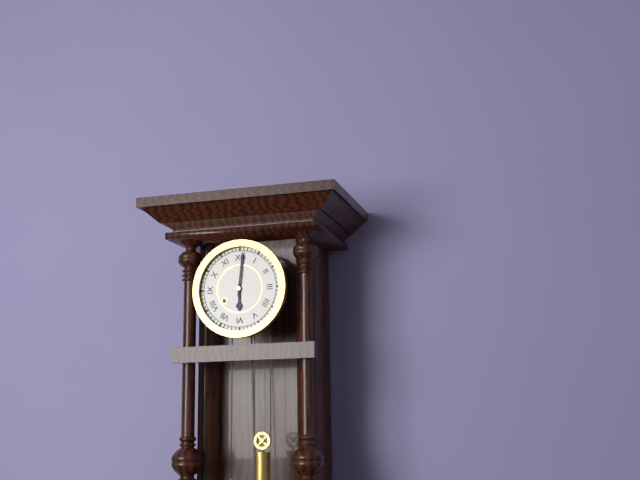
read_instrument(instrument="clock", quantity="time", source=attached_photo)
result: 6:01
